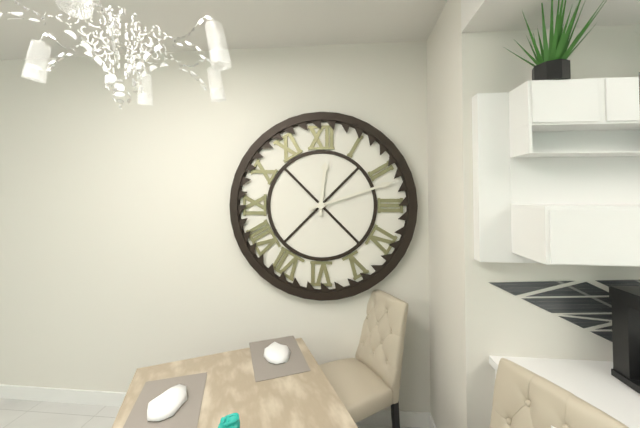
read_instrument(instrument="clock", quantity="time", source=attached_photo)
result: 12:12
